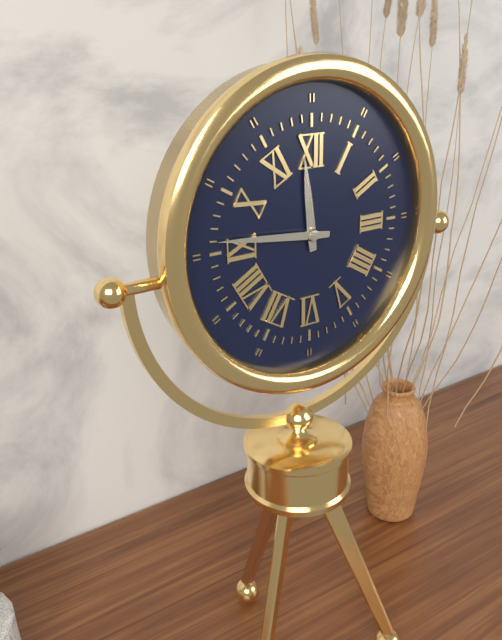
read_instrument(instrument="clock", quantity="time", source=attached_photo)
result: 11:46
